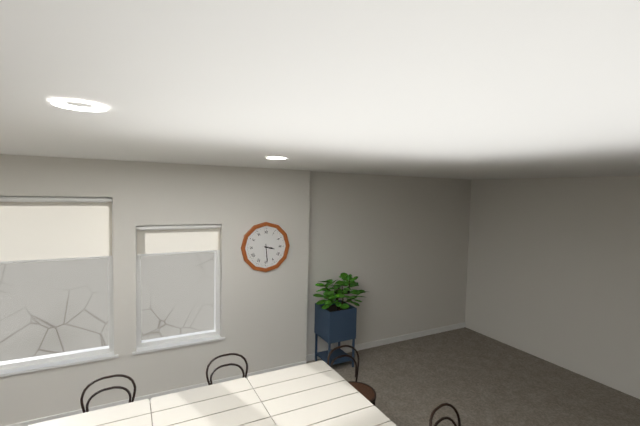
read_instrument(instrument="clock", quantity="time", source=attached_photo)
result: 3:29
